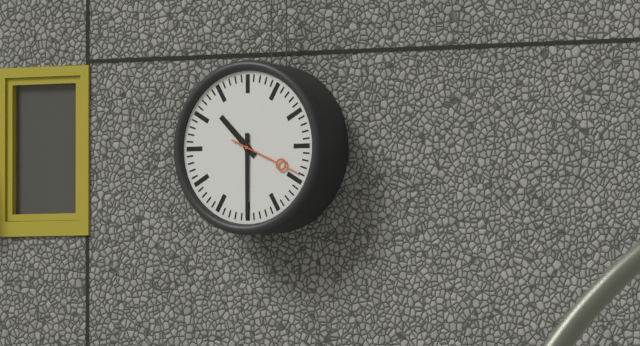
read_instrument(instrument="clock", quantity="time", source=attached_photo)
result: 10:30:19
